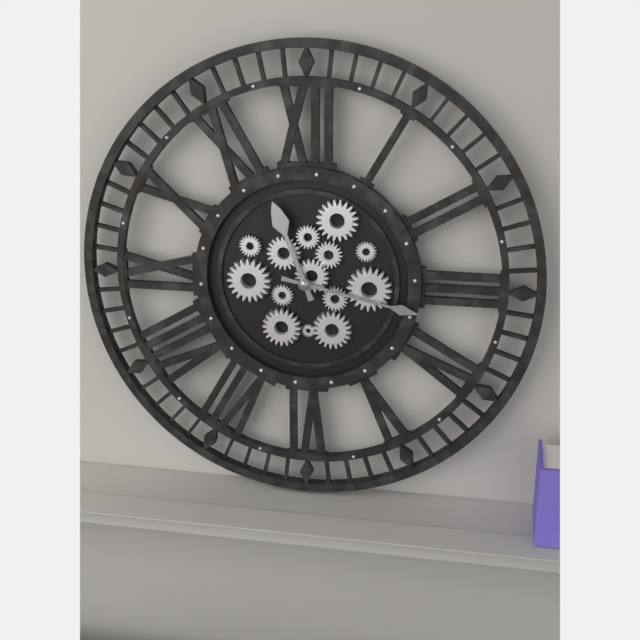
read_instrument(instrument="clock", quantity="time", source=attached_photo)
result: 11:17
